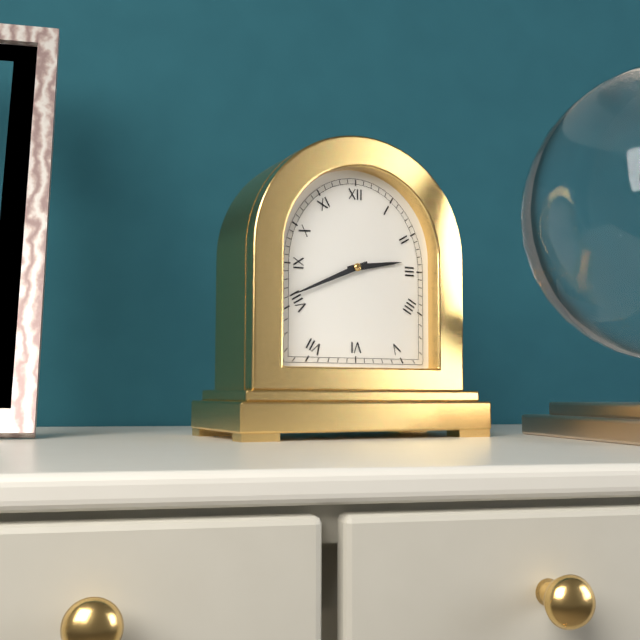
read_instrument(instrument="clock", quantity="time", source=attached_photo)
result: 2:41
